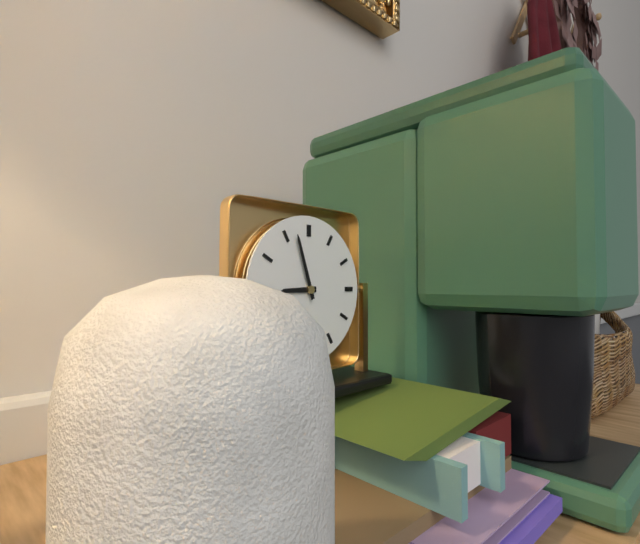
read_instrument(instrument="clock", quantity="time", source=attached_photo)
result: 8:57
